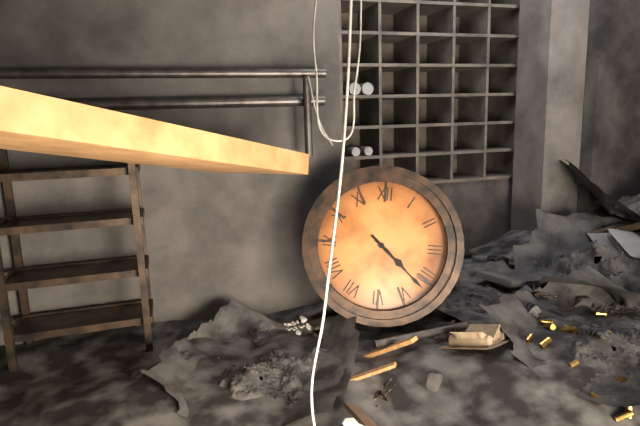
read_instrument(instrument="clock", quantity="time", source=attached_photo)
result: 4:22
